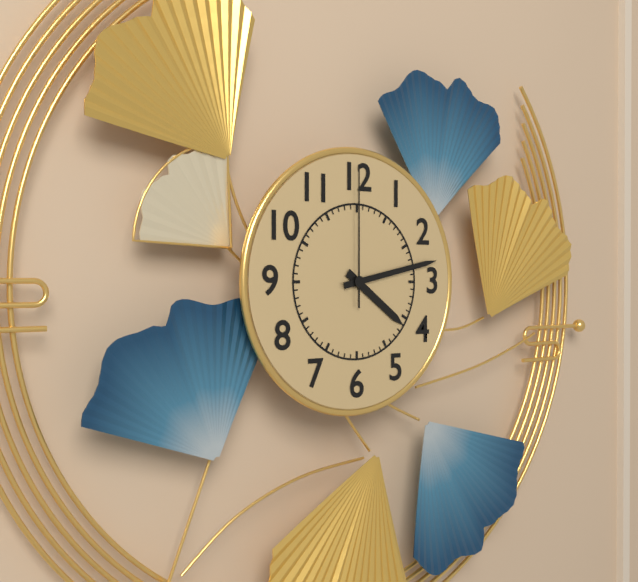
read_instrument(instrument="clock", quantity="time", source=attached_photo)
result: 4:13:00
